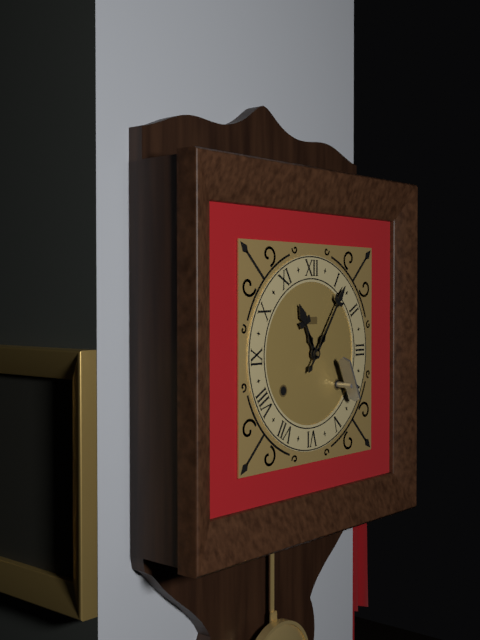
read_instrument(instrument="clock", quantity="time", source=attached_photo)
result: 11:06
